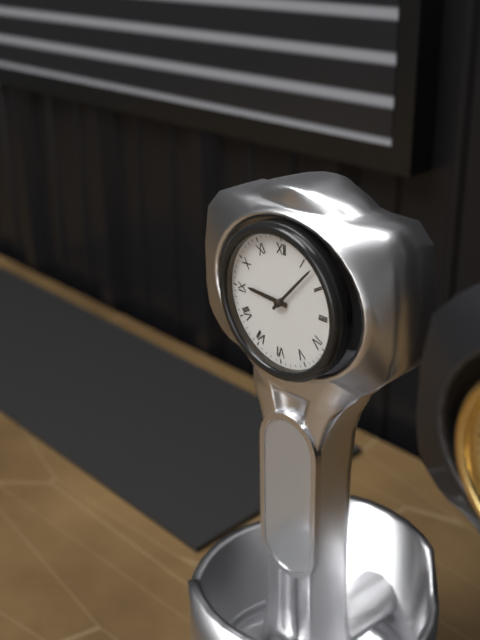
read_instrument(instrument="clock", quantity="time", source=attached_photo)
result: 9:07
